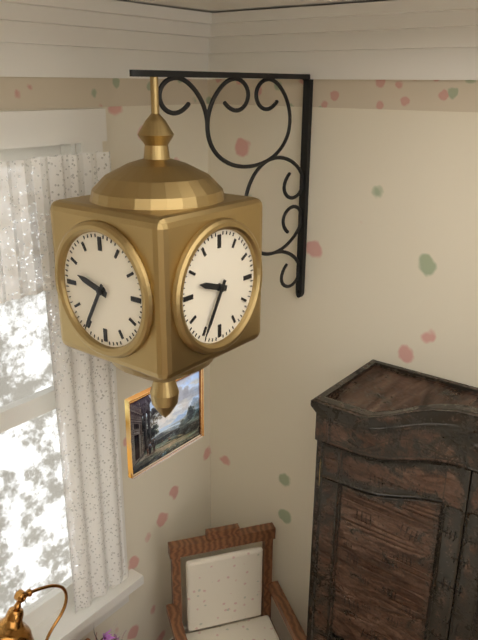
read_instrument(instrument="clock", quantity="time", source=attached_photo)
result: 9:35
